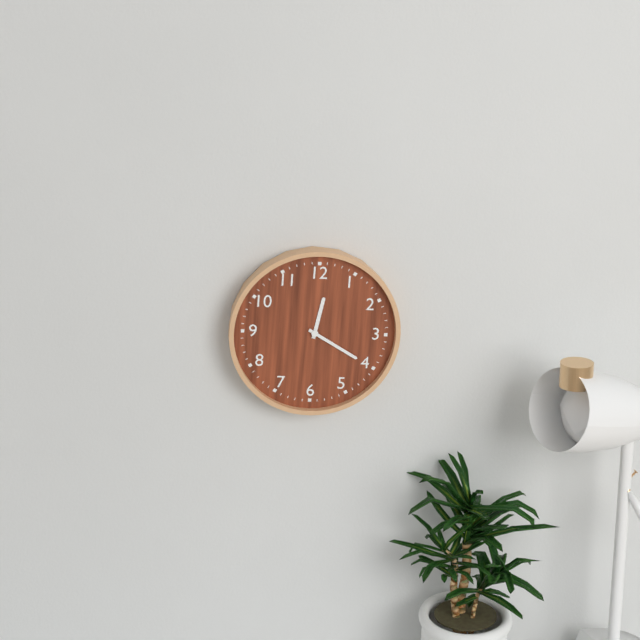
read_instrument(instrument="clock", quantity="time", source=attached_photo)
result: 12:20
